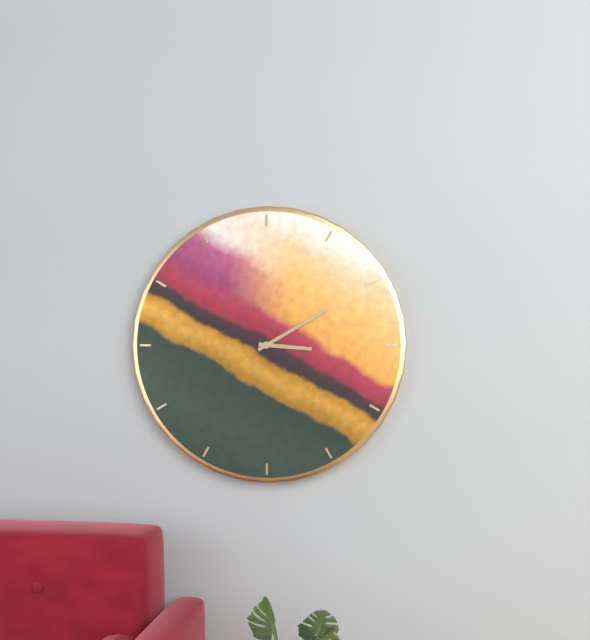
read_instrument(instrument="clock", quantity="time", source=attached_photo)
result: 3:10
